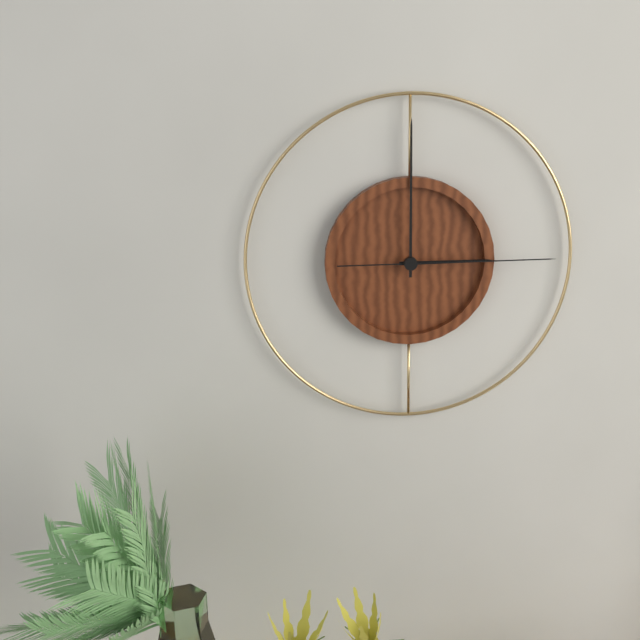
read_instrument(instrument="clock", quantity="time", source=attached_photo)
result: 3:00:15
